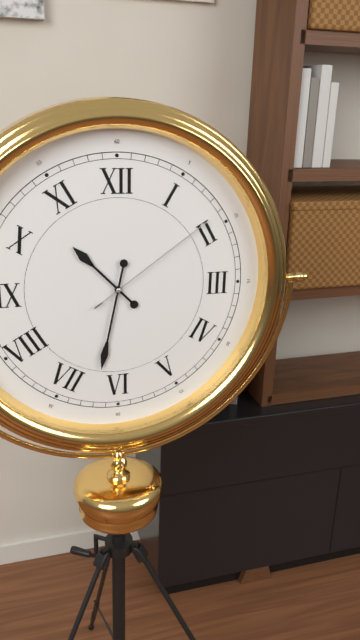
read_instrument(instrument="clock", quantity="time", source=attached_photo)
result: 10:32:09
